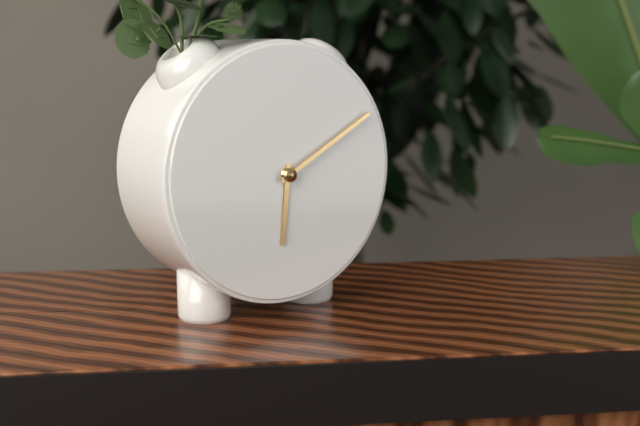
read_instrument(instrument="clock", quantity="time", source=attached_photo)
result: 6:10
